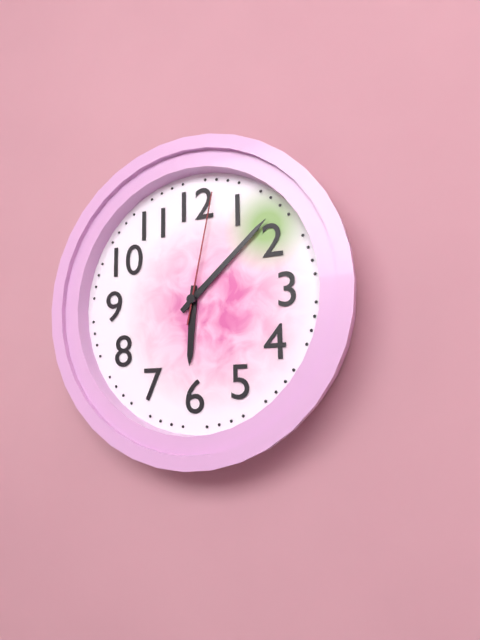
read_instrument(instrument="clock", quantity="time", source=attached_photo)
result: 6:08:02
